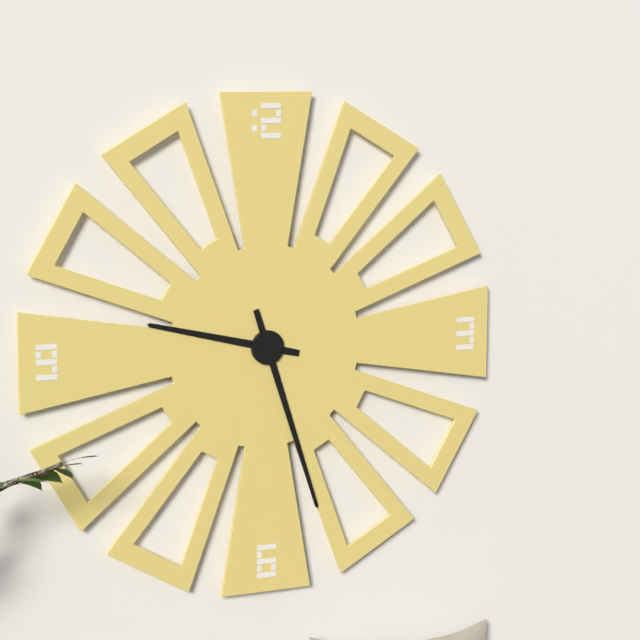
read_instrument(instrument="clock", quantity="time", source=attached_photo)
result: 9:27
